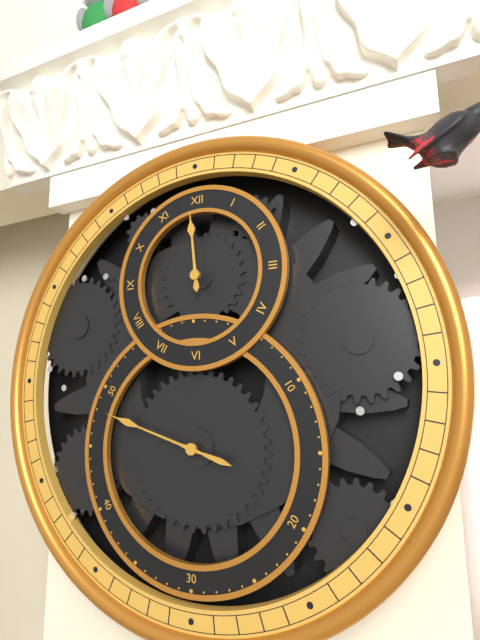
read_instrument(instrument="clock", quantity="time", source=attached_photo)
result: 11:48
